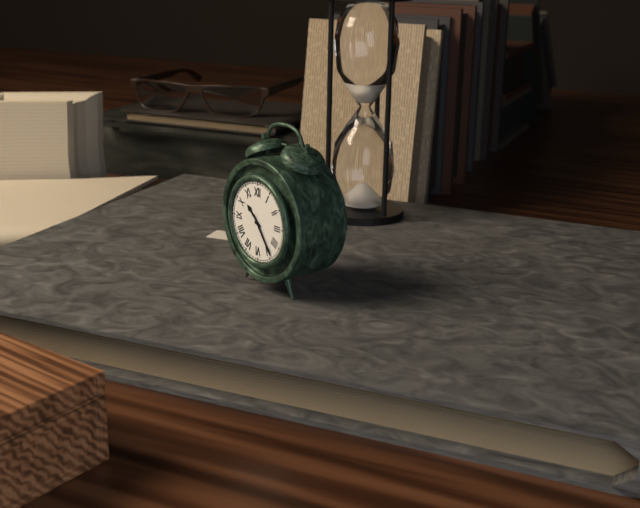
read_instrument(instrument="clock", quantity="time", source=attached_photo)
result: 10:24
